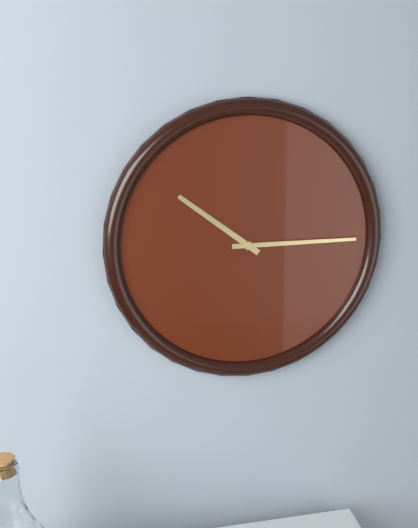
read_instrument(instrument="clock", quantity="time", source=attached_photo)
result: 10:15
